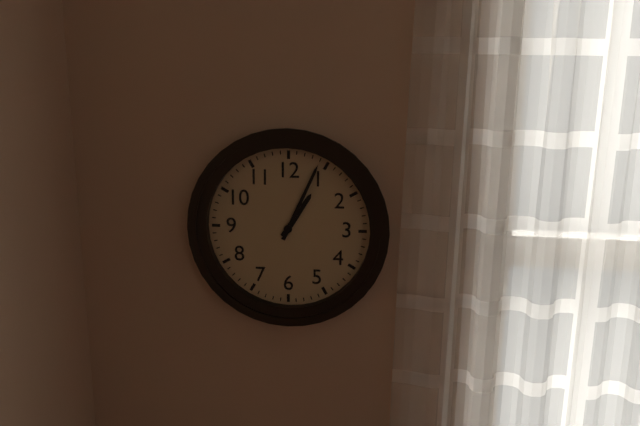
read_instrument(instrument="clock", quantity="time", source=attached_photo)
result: 1:04
